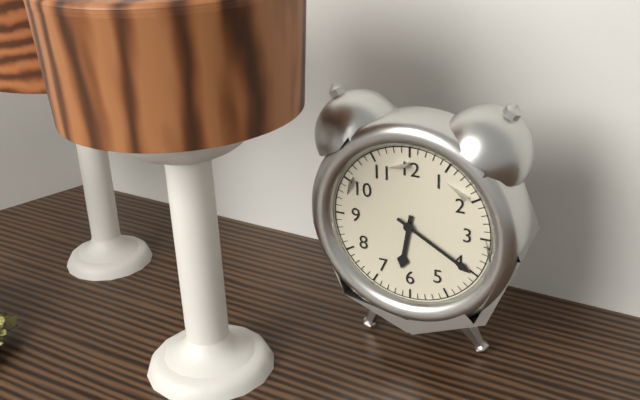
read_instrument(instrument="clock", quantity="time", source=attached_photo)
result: 6:20
